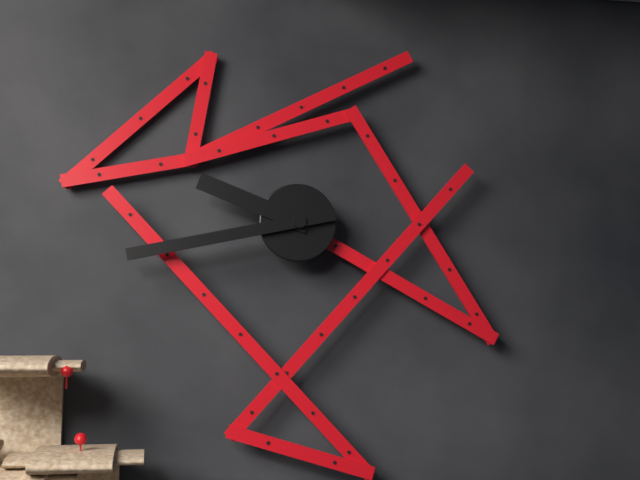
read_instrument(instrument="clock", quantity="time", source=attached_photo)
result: 9:43
